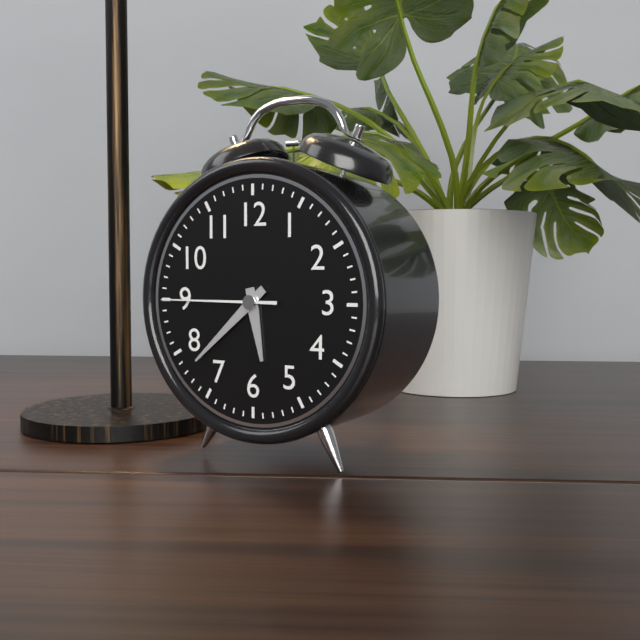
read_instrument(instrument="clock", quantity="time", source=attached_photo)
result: 5:38:45
